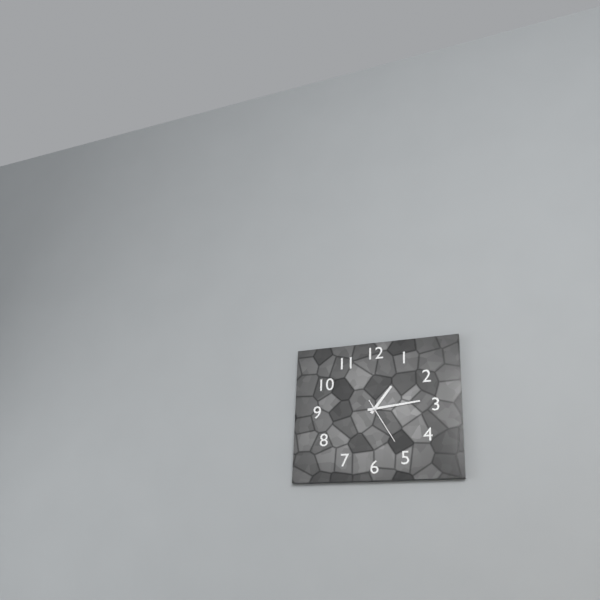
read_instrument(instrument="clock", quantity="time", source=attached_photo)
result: 1:14
